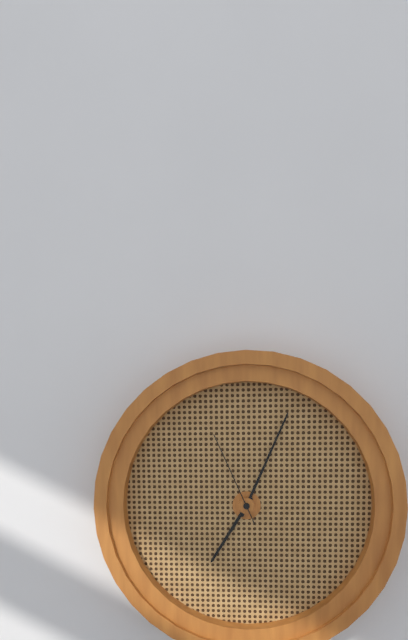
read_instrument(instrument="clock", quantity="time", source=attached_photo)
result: 7:04:56
